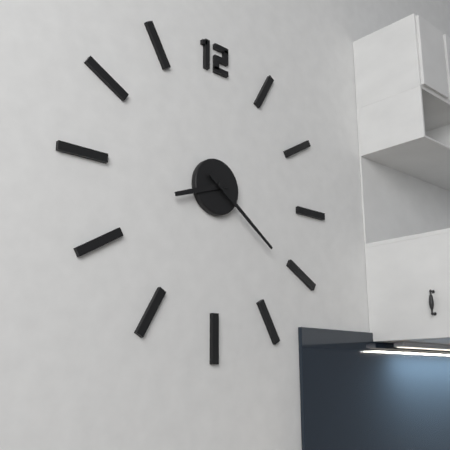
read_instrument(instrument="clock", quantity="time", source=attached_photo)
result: 8:21
